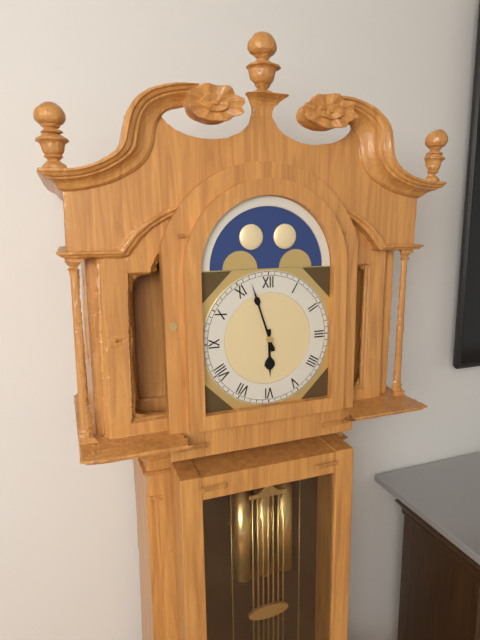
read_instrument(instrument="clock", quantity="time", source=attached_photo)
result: 5:57
